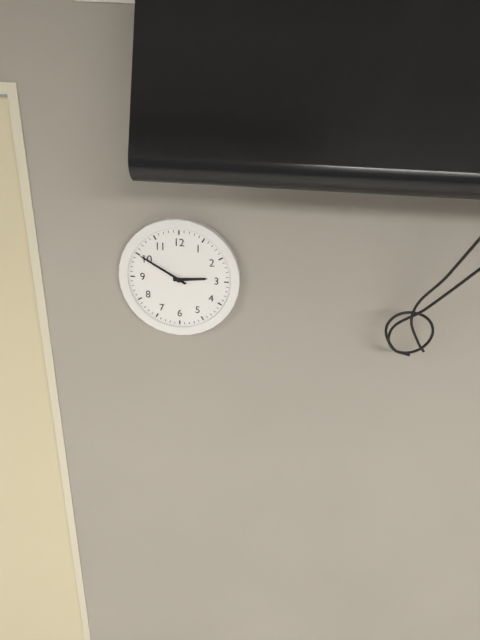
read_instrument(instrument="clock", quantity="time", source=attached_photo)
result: 2:50
